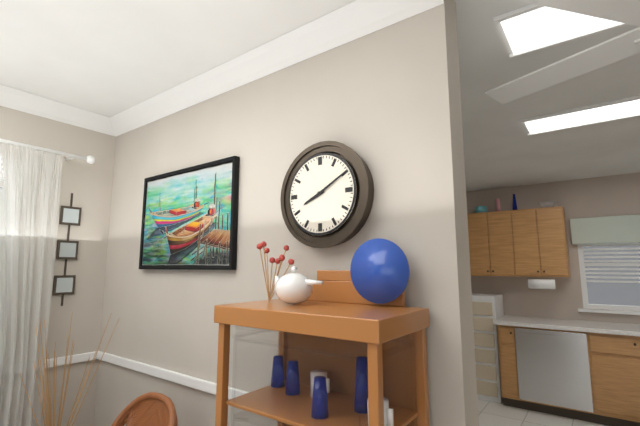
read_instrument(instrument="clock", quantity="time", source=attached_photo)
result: 8:10
